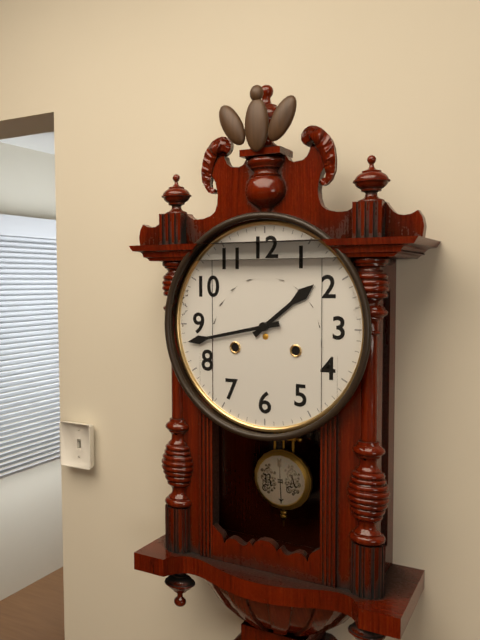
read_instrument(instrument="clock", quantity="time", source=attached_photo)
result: 1:43
